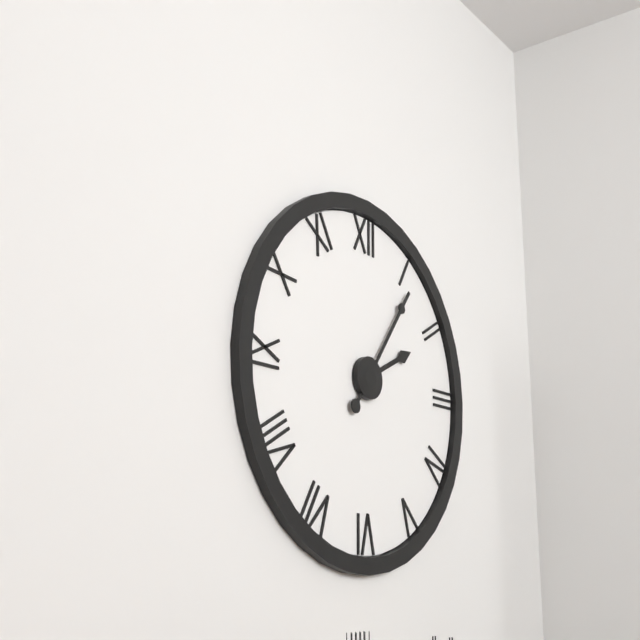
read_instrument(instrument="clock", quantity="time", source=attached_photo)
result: 2:06
